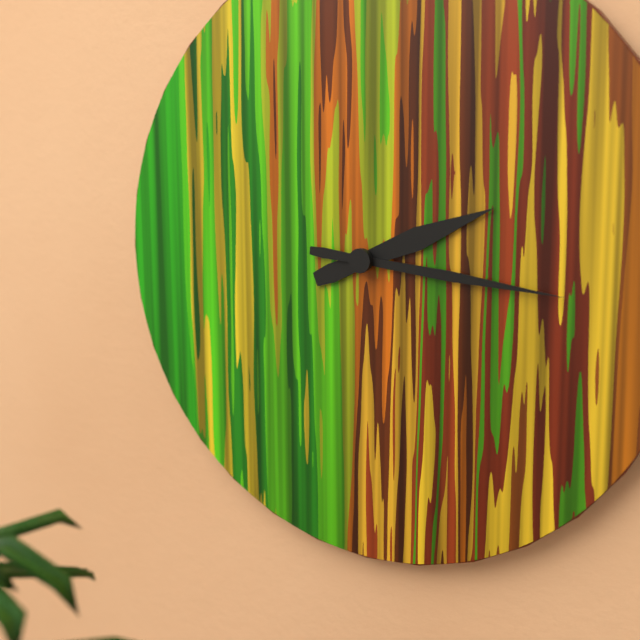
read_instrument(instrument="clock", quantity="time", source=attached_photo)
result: 2:16
